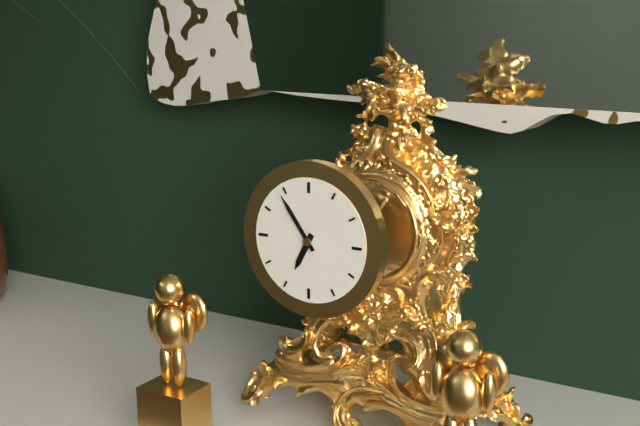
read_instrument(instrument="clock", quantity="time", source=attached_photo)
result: 6:54
